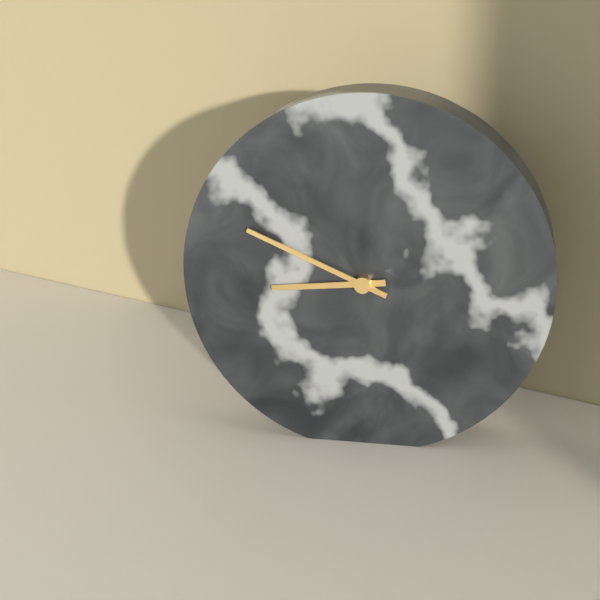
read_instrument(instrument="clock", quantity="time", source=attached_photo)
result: 8:49
